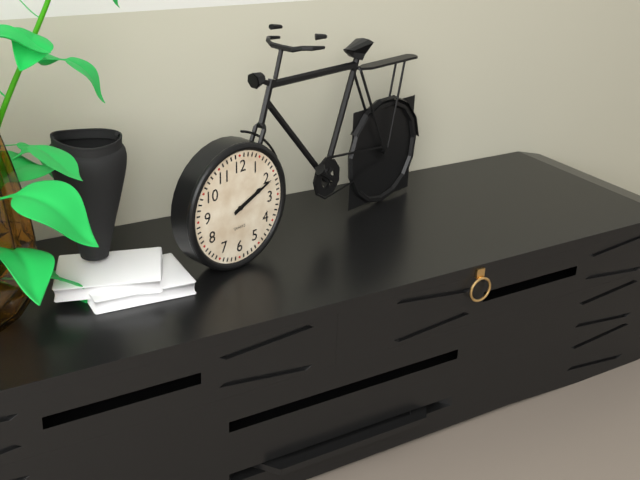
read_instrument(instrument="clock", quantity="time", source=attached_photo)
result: 2:11
